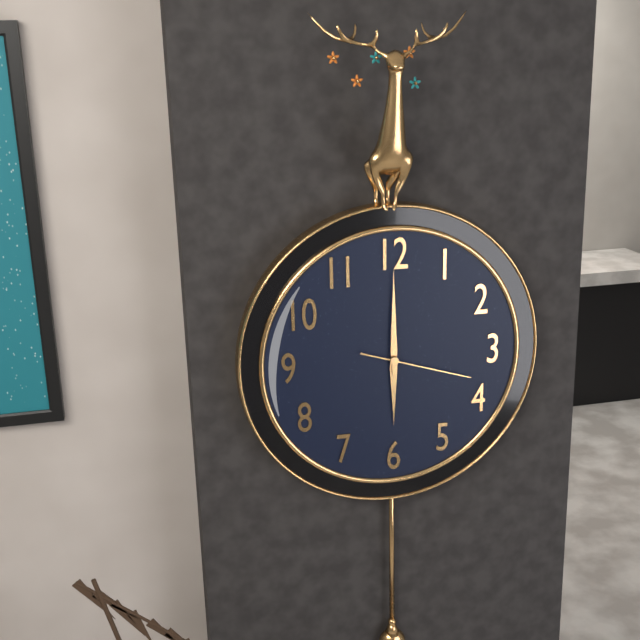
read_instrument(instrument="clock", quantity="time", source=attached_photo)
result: 6:00:18
